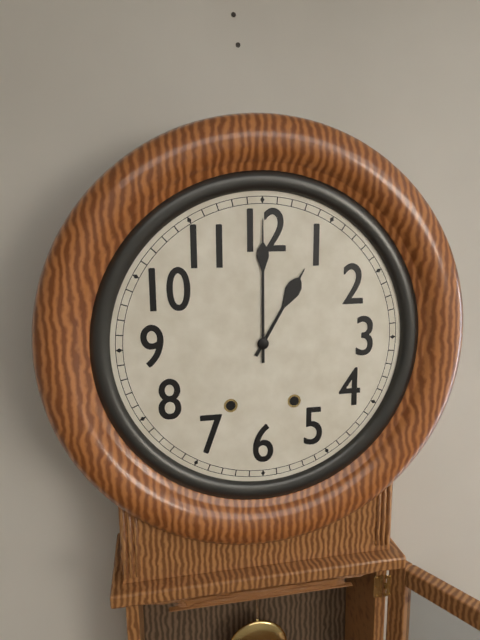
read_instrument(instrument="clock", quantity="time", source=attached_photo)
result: 1:00
